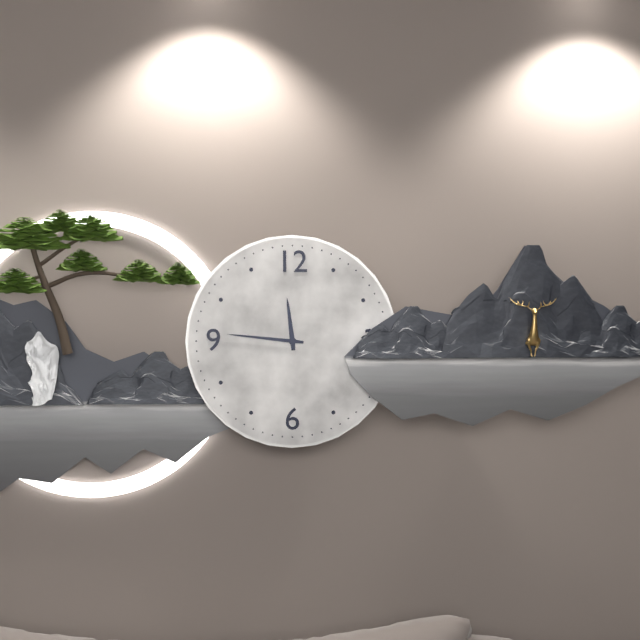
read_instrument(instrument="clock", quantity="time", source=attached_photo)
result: 11:46
